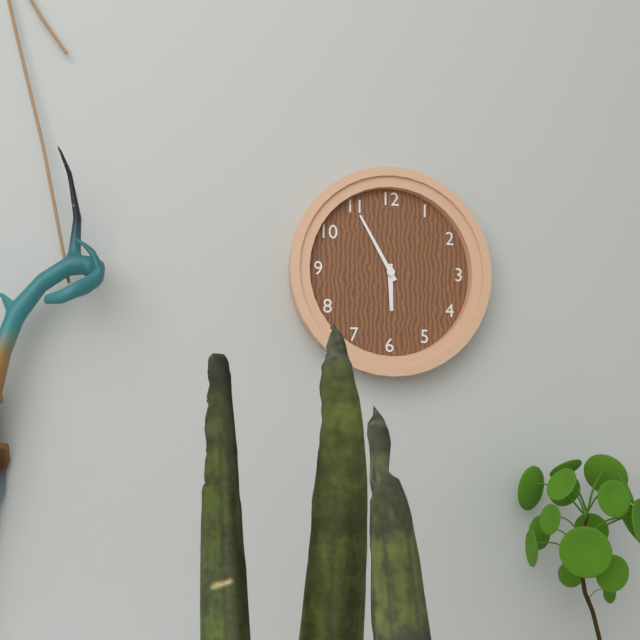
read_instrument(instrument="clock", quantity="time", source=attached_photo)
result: 5:55
